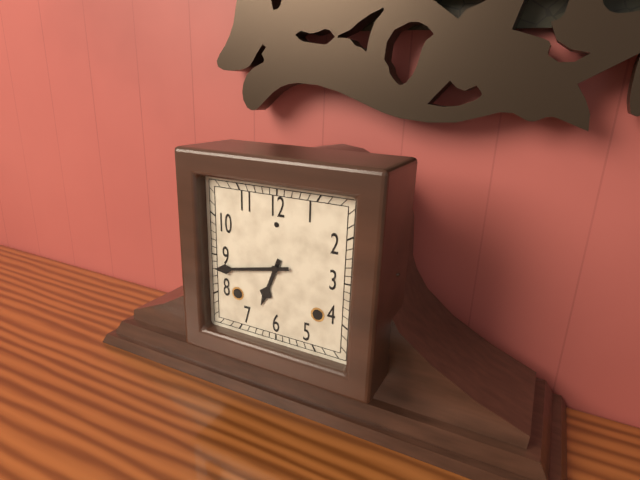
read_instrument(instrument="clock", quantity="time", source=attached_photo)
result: 6:43
